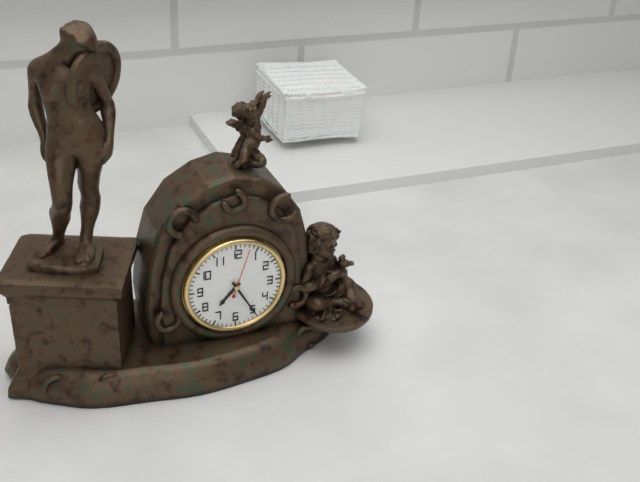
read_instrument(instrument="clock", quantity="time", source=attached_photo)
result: 7:25
